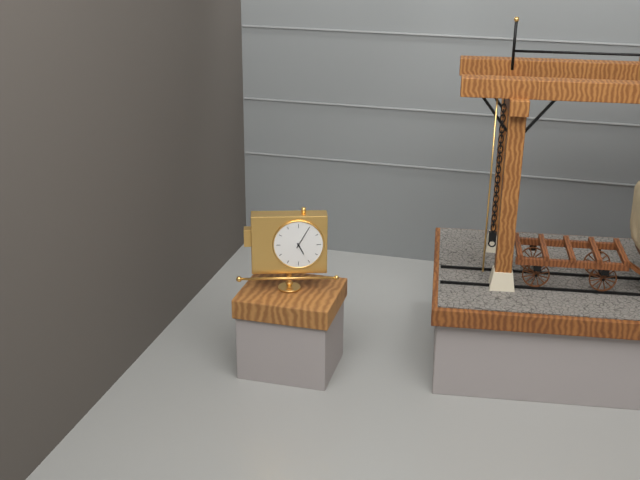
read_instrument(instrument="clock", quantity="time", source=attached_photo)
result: 5:05
